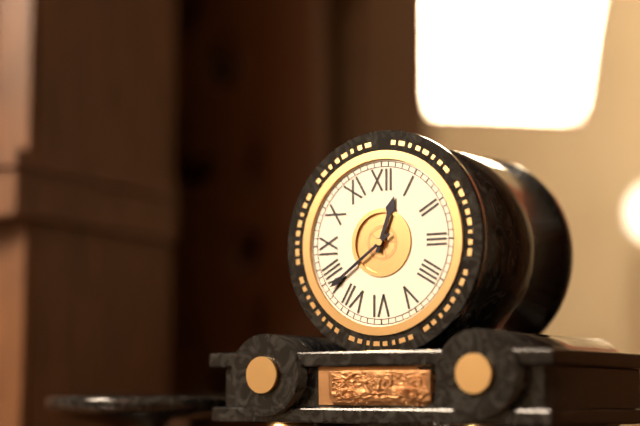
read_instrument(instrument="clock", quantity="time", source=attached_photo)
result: 12:39
